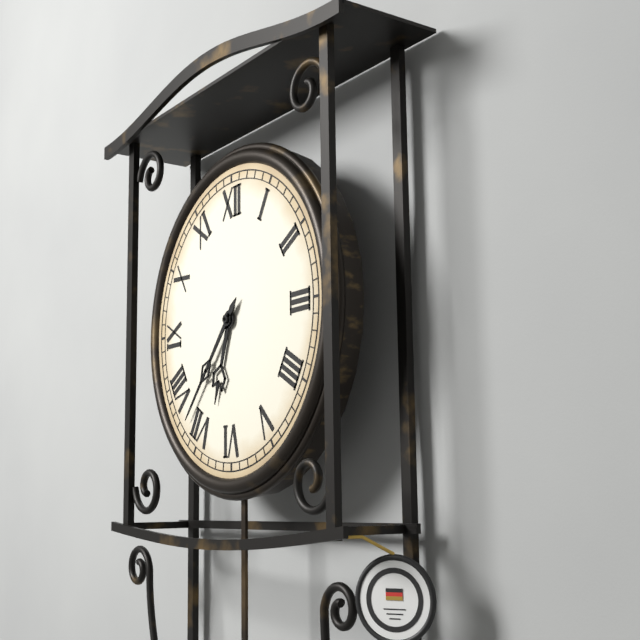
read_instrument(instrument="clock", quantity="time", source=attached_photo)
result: 6:37
